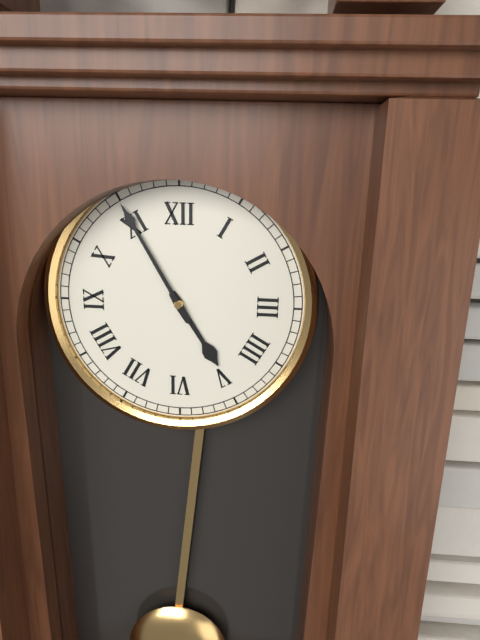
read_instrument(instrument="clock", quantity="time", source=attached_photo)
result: 4:55
